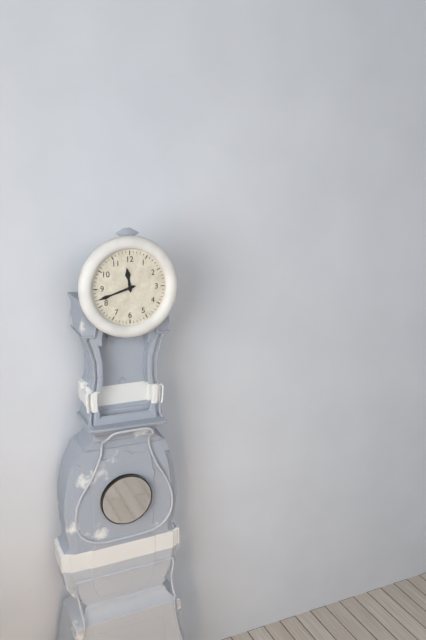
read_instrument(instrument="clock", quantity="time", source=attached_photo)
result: 11:42
